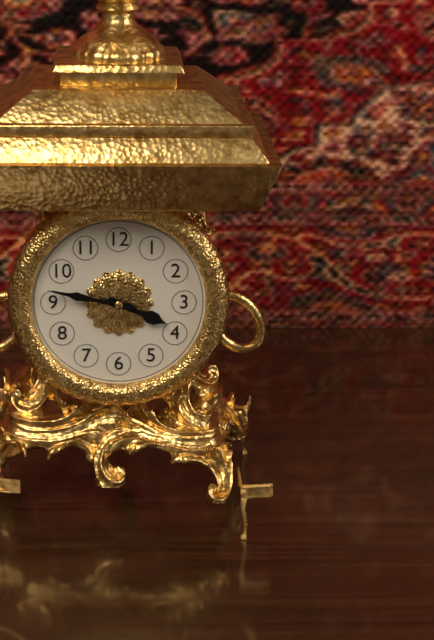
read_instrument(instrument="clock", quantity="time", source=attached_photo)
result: 3:47
